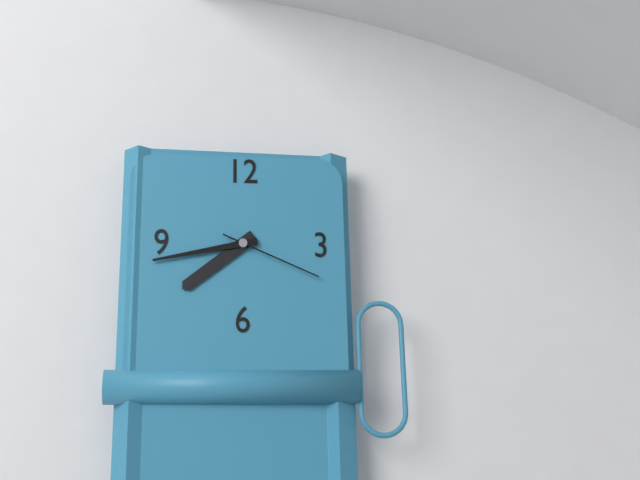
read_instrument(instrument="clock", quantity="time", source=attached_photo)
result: 7:43:19
